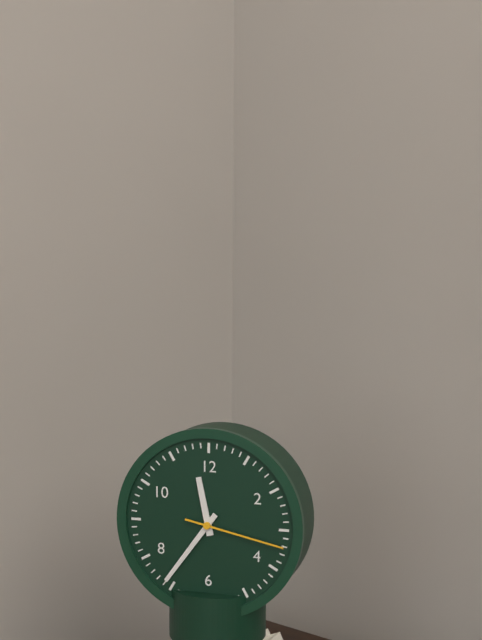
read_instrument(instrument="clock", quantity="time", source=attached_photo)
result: 11:36:17
